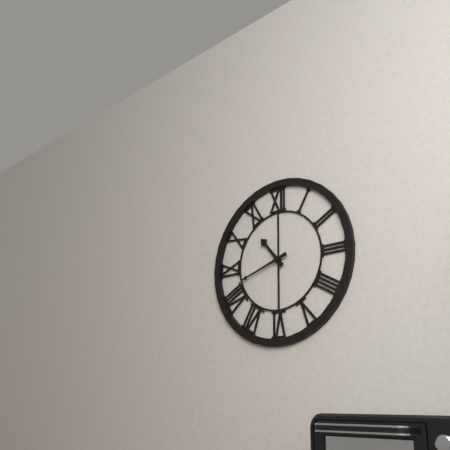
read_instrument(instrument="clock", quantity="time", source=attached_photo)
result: 10:42
